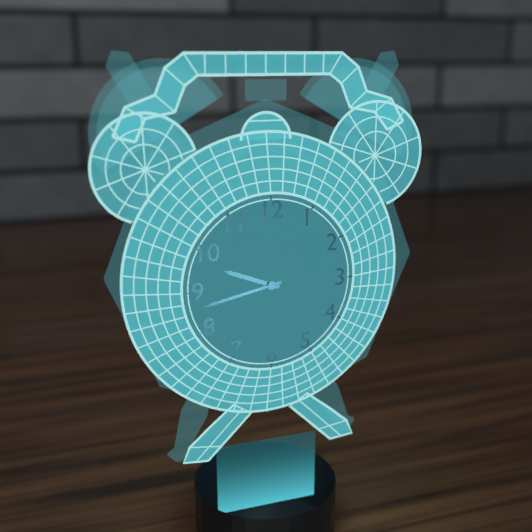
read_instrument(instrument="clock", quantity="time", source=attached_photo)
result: 9:43
